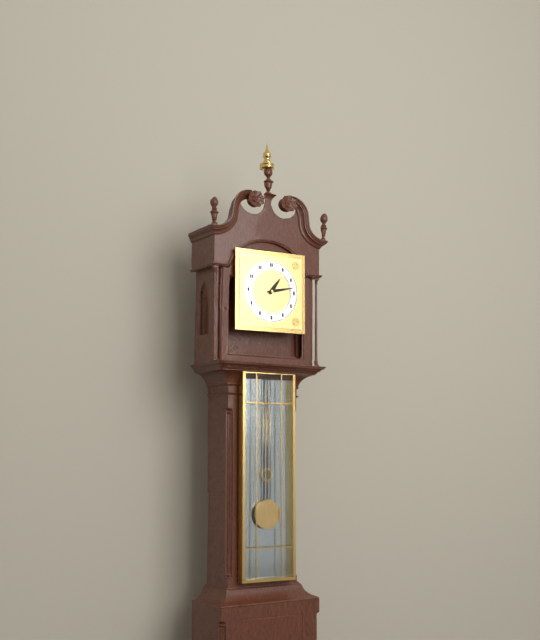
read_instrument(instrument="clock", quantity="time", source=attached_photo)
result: 1:13
